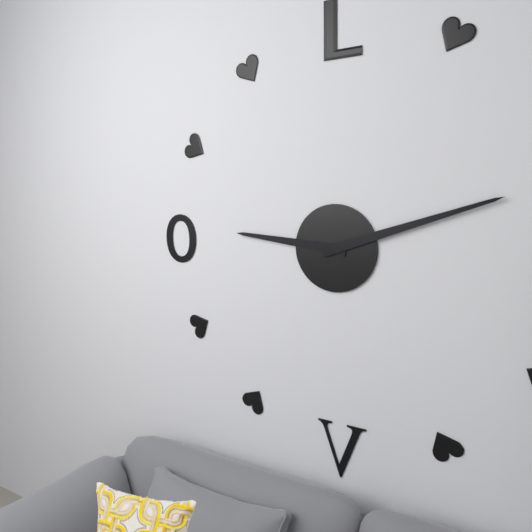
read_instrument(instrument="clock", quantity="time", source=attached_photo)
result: 9:12
